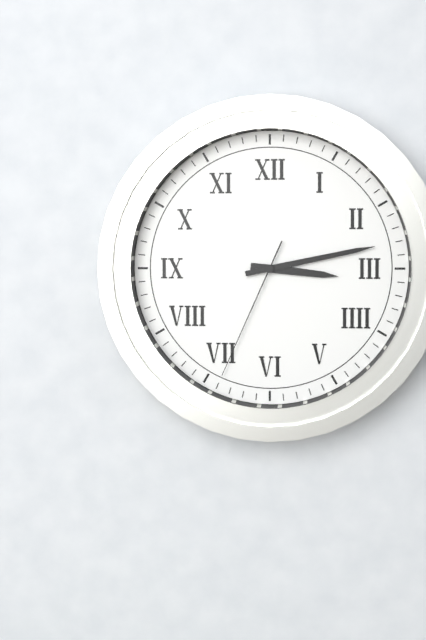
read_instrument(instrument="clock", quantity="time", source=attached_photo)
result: 3:13:34
